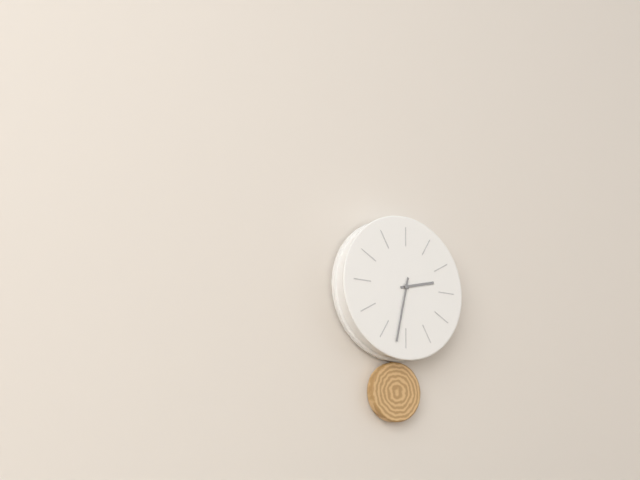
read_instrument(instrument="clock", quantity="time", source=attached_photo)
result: 2:32
